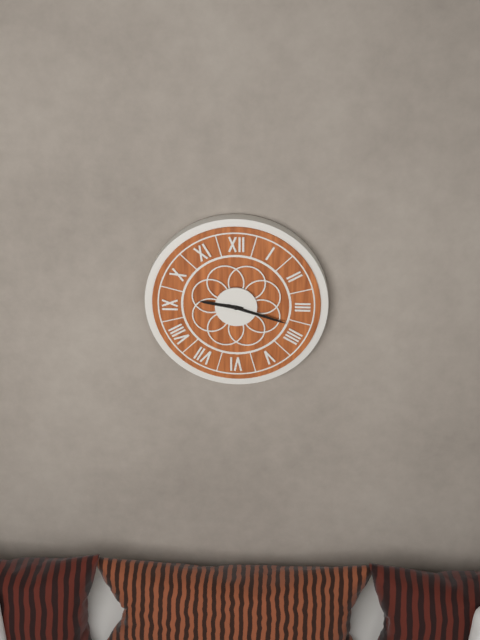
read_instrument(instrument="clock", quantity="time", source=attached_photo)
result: 9:18
